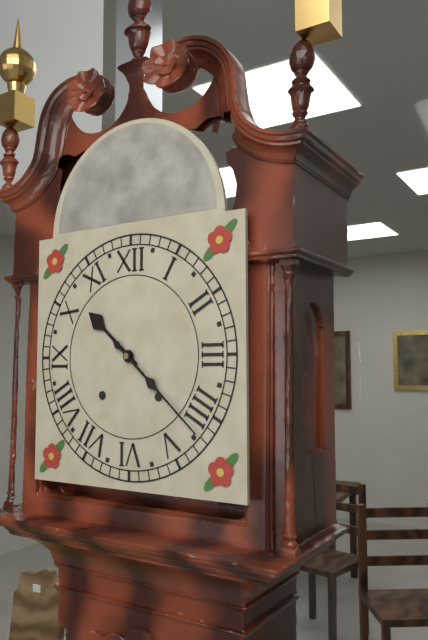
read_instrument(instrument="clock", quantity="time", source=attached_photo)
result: 10:22
